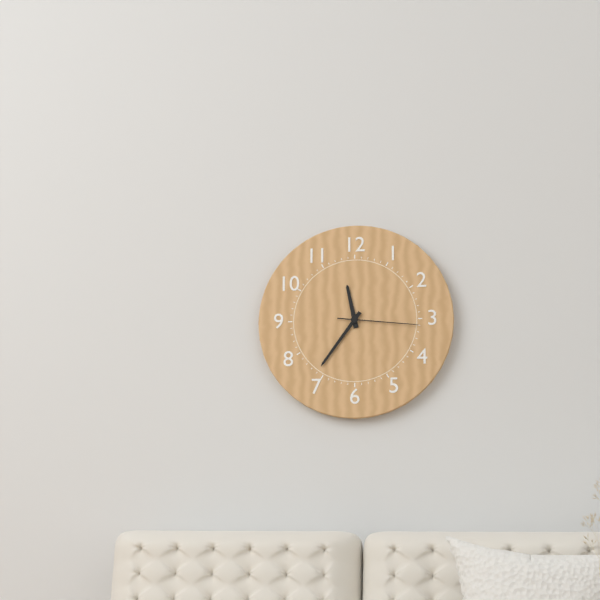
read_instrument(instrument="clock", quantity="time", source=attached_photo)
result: 11:36:16
